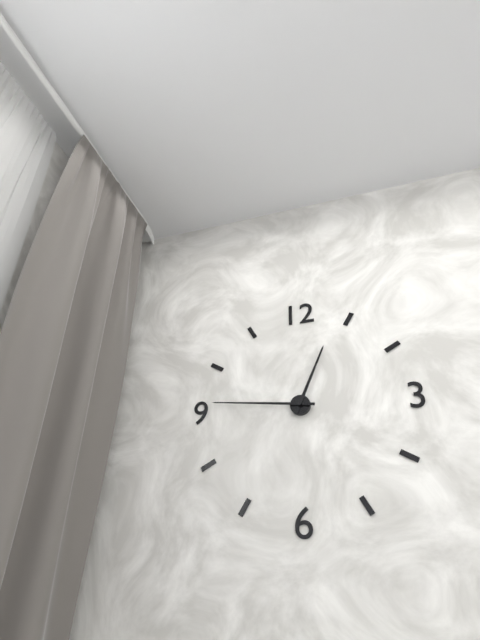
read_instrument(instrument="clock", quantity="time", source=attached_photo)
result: 12:46
